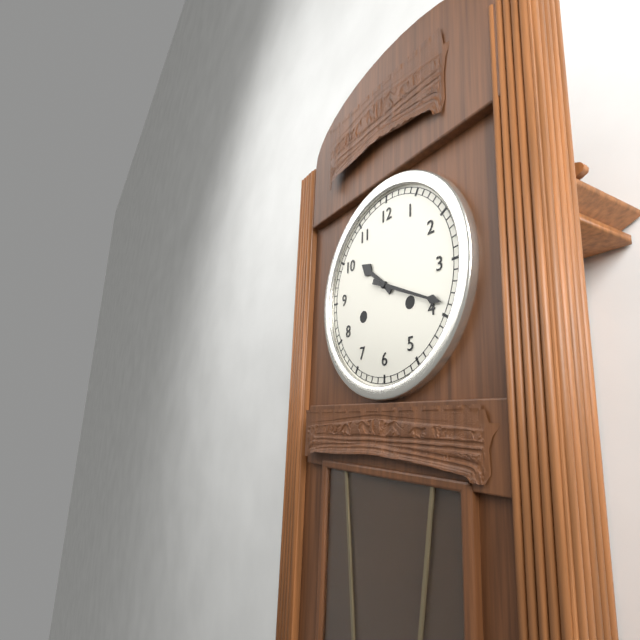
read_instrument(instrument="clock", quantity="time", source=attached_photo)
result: 10:19
